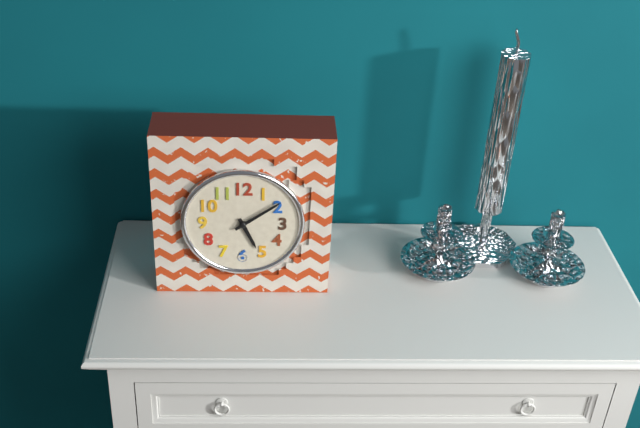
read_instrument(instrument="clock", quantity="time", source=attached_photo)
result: 5:09
